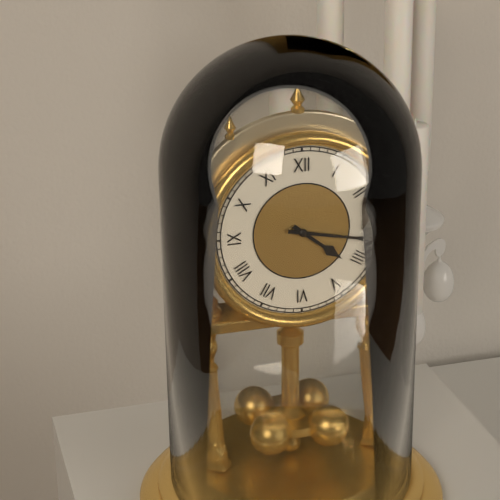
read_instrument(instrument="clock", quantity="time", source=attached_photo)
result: 4:17
